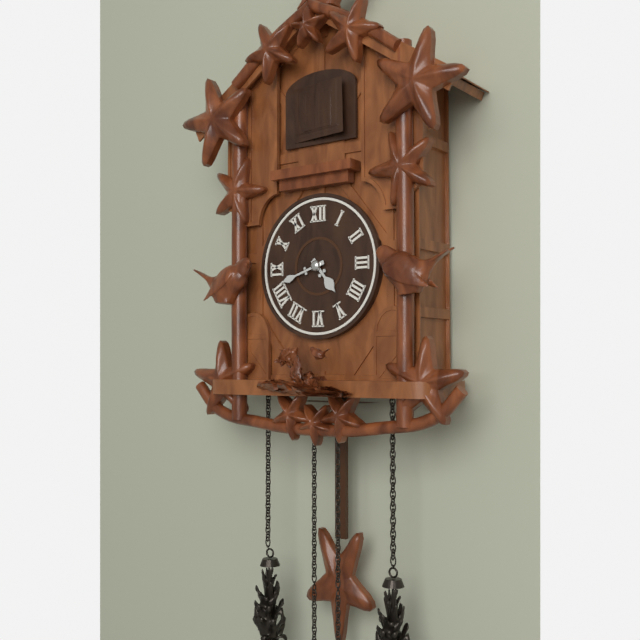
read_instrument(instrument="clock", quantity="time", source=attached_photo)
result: 4:42
